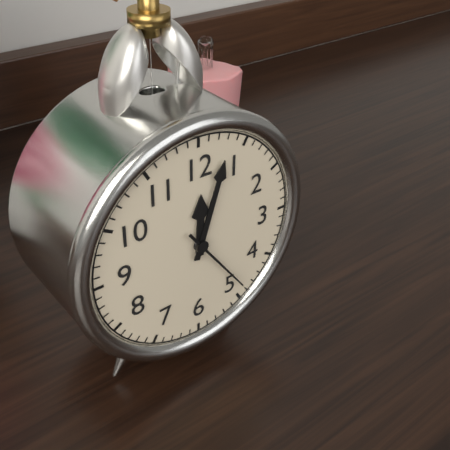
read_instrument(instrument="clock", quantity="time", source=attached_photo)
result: 12:03:24
